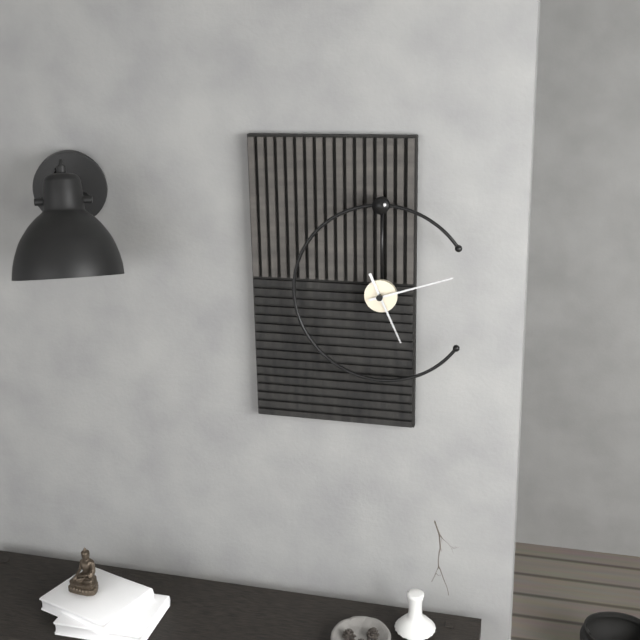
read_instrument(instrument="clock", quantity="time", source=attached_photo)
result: 5:12
